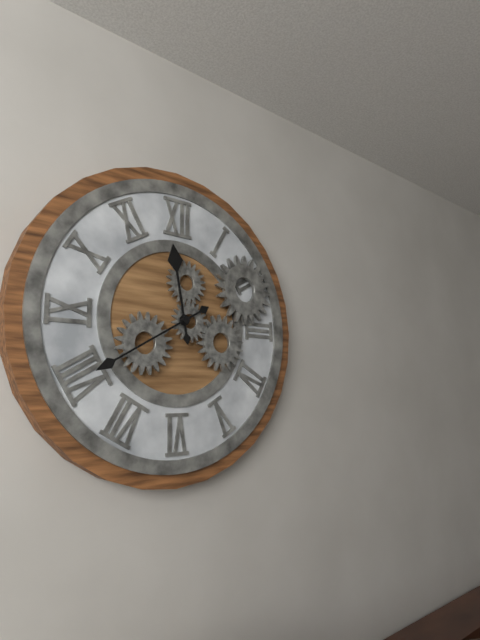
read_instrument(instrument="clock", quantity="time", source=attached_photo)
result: 11:40
